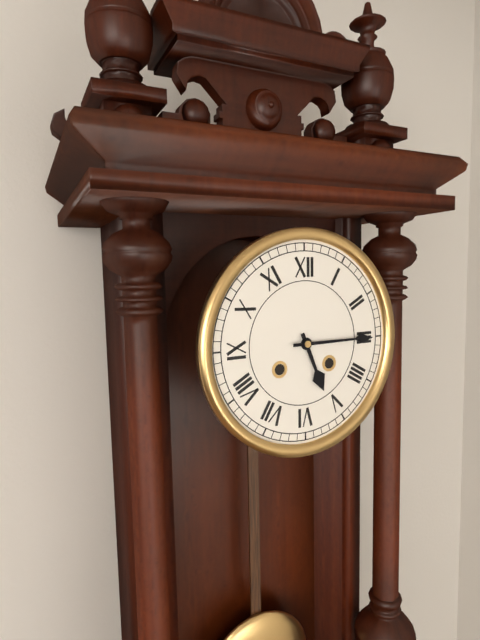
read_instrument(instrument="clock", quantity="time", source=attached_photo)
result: 5:15
